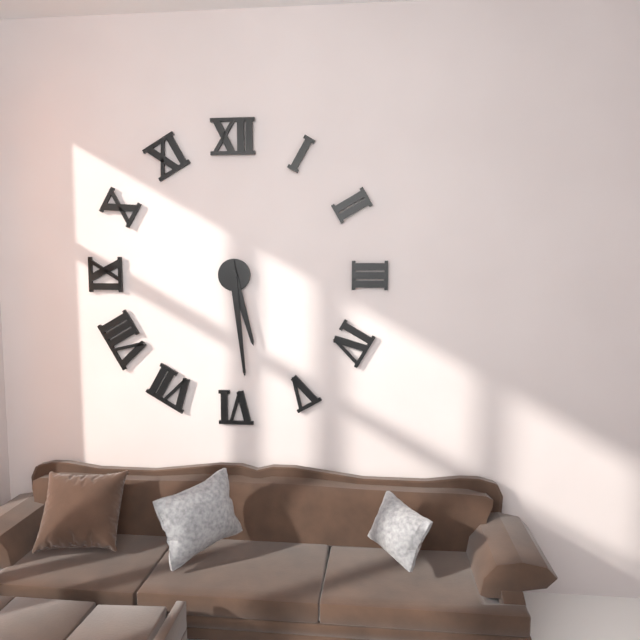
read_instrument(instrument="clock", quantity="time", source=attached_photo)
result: 5:29
